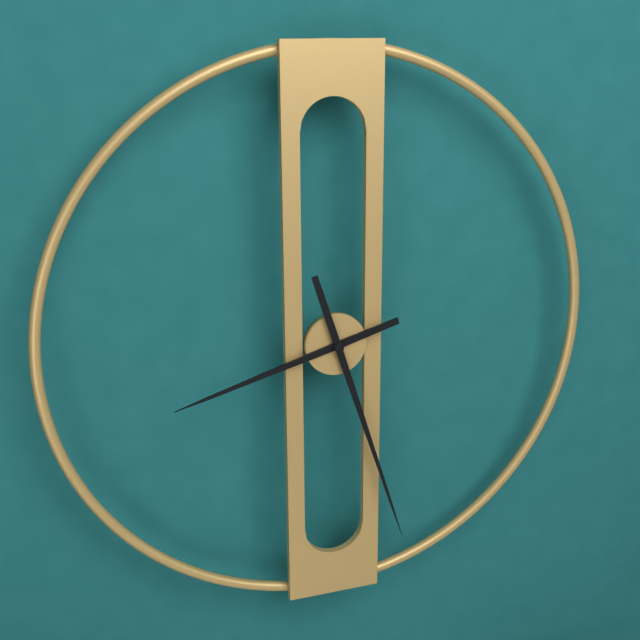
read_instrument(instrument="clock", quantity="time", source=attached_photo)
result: 8:27
